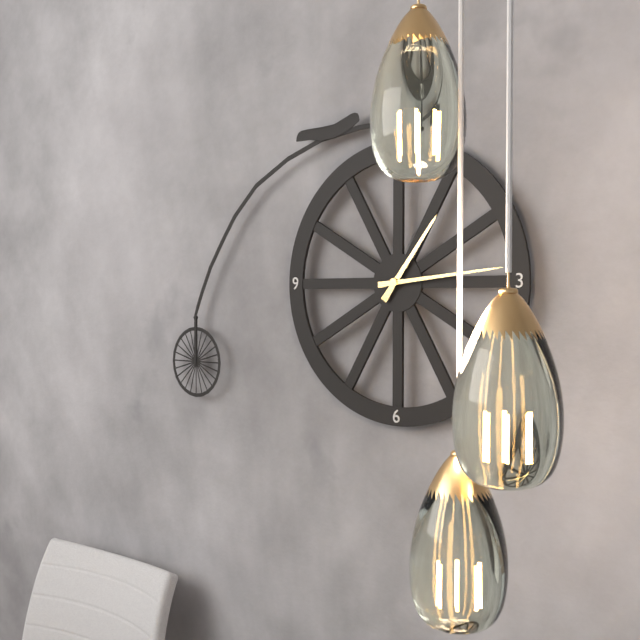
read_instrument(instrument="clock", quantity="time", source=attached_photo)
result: 1:14
